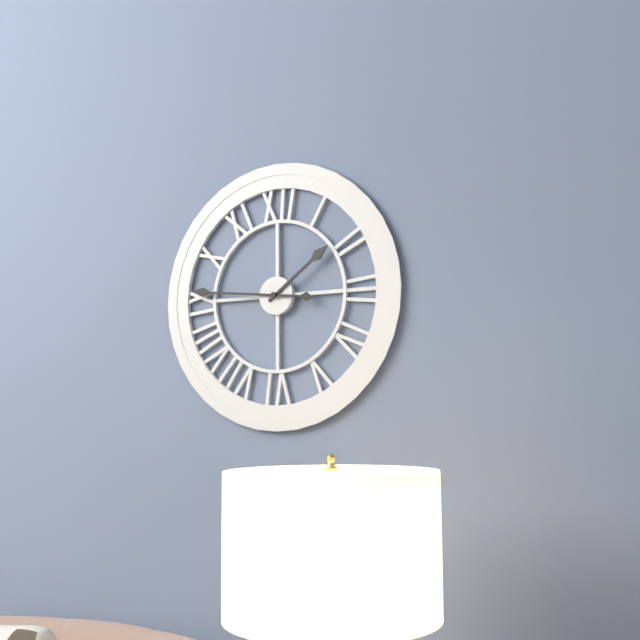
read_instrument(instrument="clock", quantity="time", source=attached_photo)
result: 1:46
